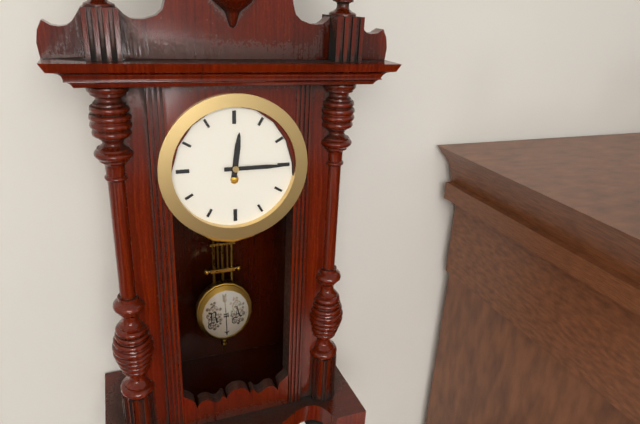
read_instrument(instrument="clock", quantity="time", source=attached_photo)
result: 12:15
